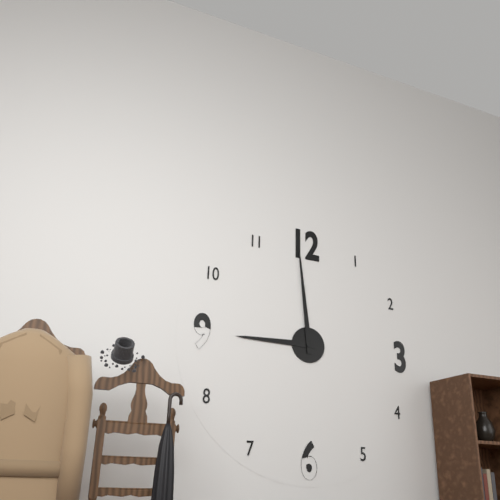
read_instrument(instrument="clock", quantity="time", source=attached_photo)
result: 8:59
